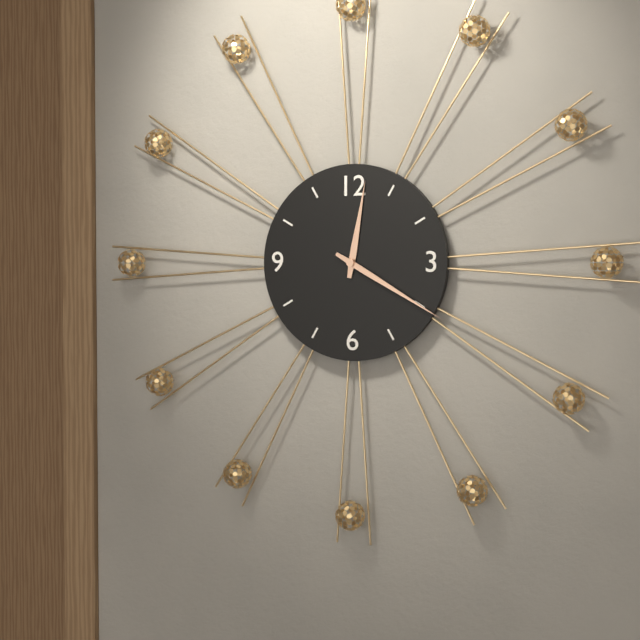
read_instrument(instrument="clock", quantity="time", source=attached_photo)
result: 12:20
